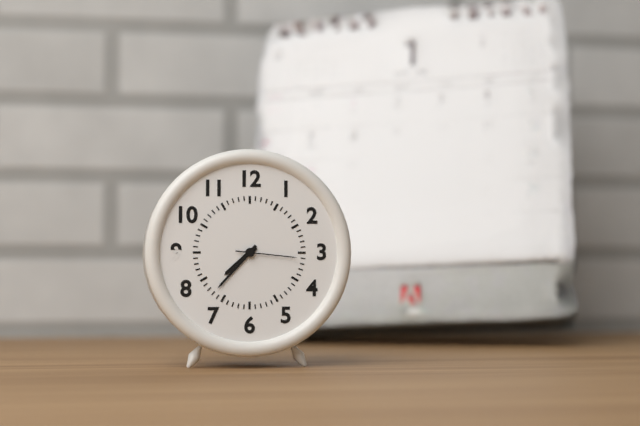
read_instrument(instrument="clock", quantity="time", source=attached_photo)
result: 7:37:16
